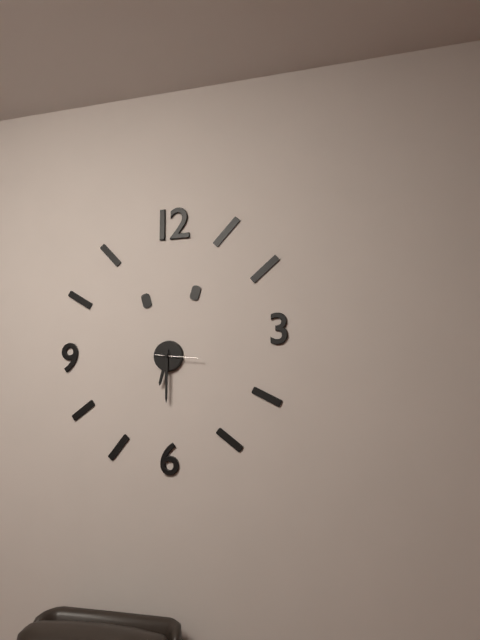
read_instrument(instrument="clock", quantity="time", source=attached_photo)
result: 6:30
